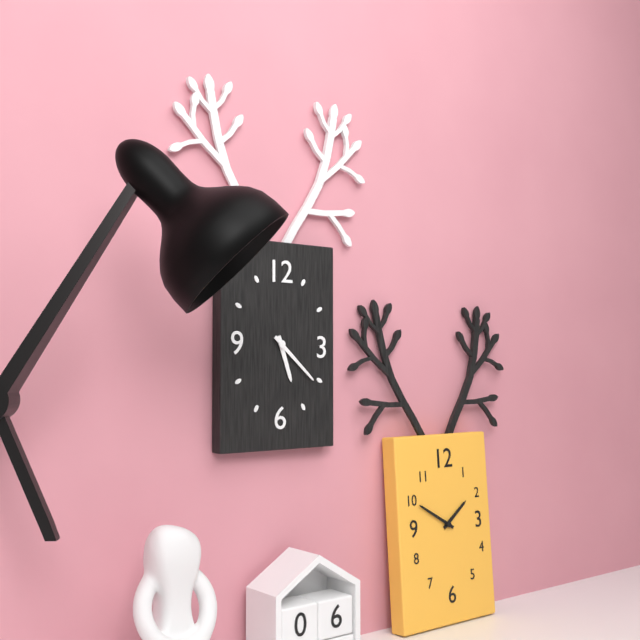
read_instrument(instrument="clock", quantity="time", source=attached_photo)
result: 5:22
